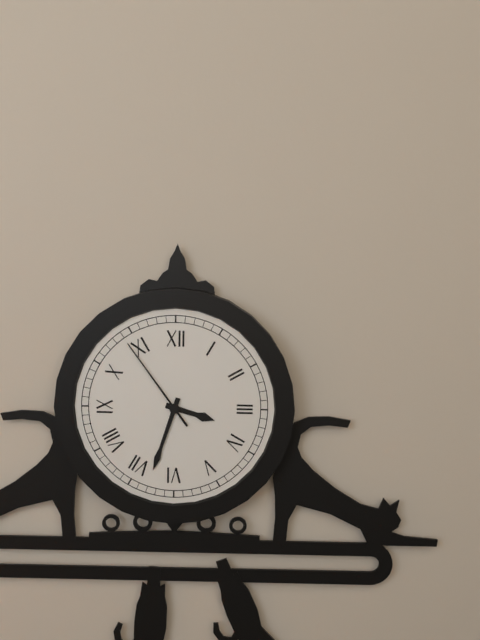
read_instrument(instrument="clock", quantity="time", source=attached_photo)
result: 3:33:54
